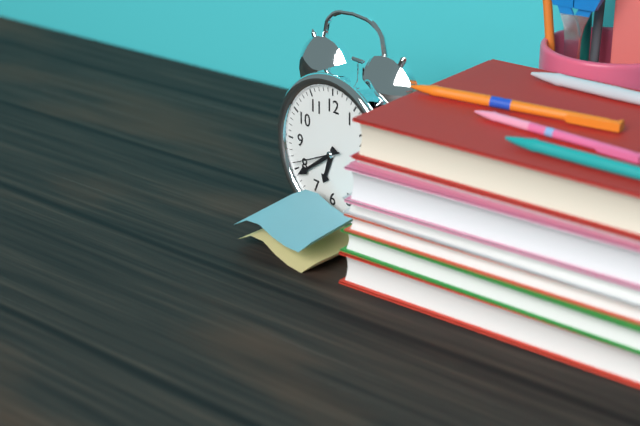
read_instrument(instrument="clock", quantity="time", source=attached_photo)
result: 6:39:41
